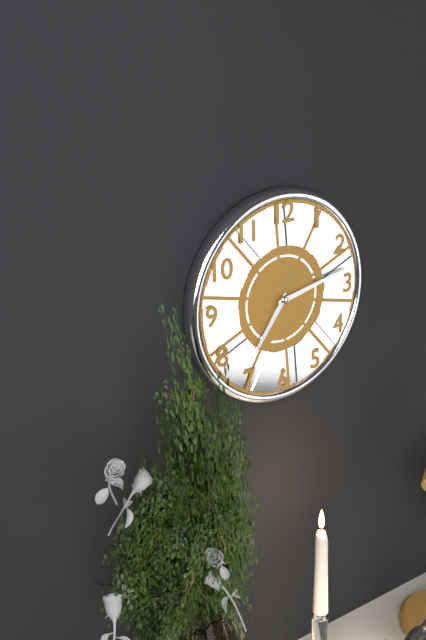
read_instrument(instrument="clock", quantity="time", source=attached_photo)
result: 7:13
